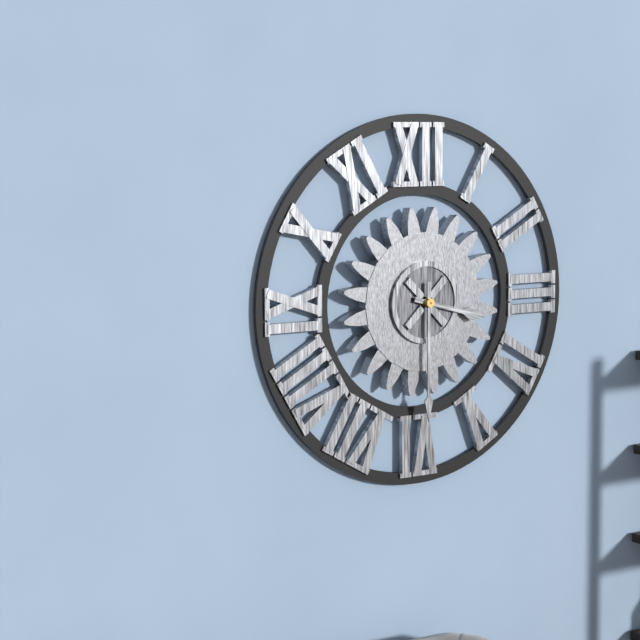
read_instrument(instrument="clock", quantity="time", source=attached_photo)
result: 3:30
